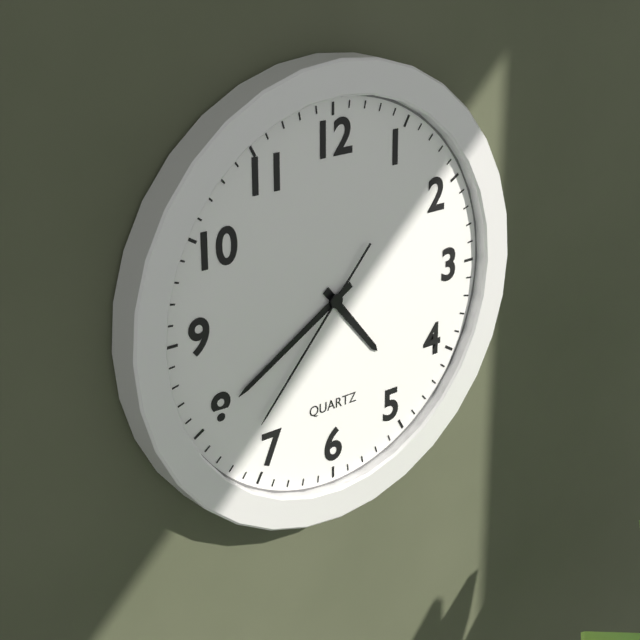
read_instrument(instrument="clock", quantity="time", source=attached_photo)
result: 4:40:37
